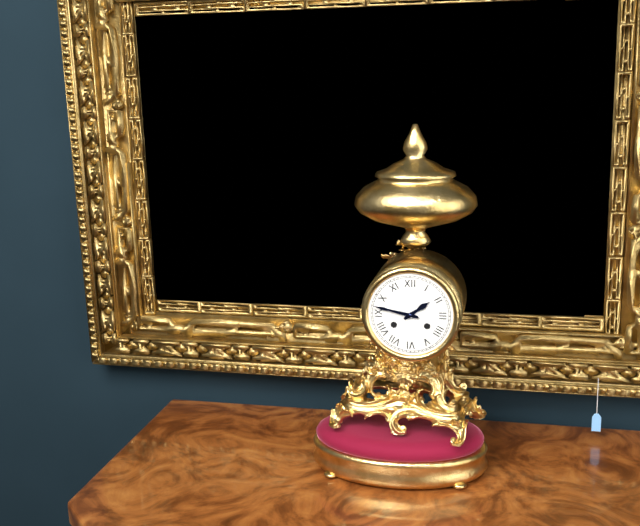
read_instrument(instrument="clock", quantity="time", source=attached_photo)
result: 1:47
